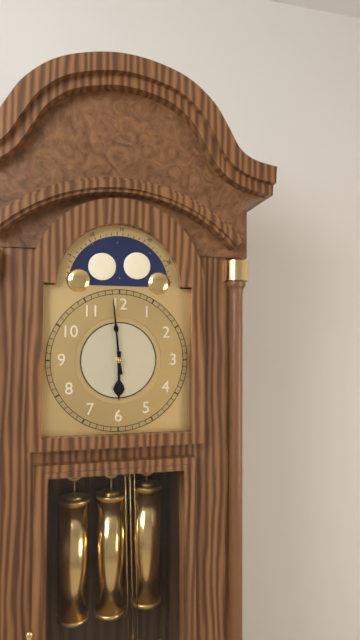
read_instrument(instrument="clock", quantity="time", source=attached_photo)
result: 5:59
